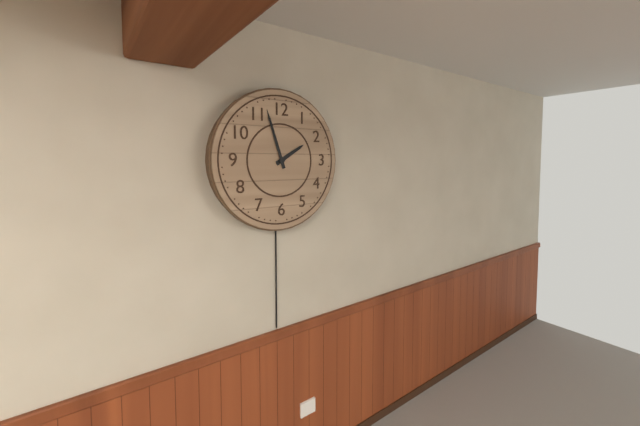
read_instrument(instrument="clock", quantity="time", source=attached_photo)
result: 1:57
